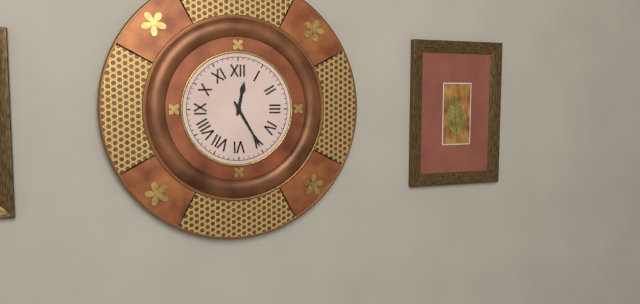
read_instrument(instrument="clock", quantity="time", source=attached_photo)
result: 12:25
